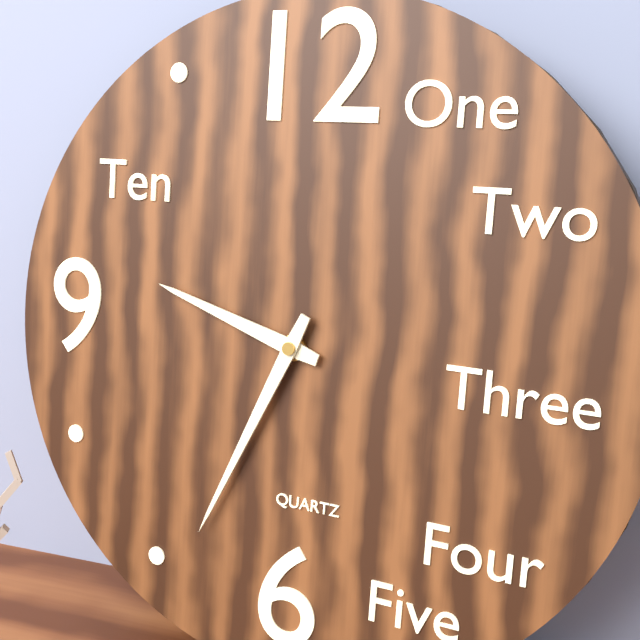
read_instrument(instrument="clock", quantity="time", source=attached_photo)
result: 9:34
